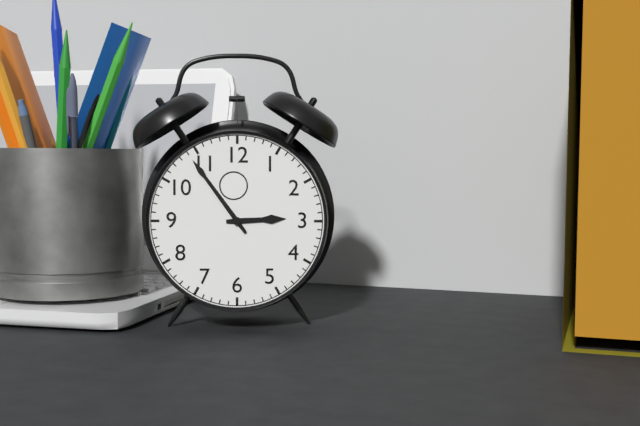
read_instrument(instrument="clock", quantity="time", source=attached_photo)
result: 2:54
